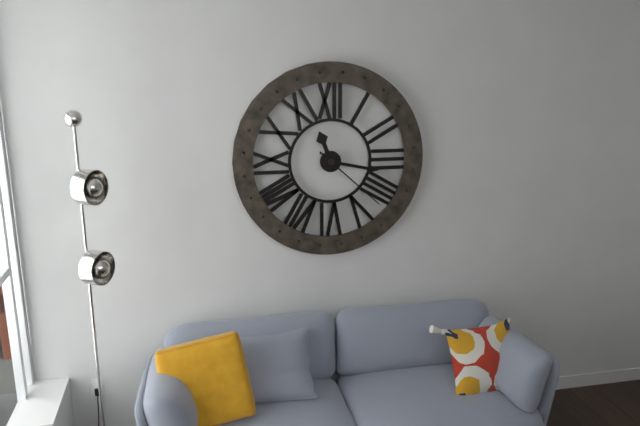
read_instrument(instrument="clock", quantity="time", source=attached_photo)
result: 11:17:22
